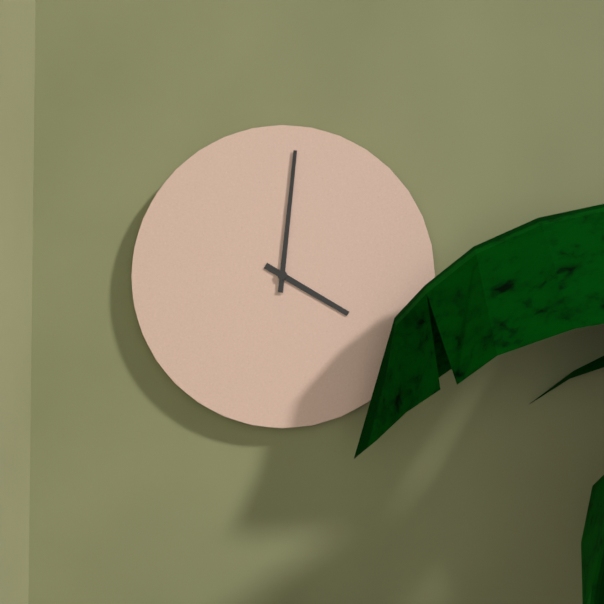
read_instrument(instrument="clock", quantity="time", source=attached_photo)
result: 4:01
